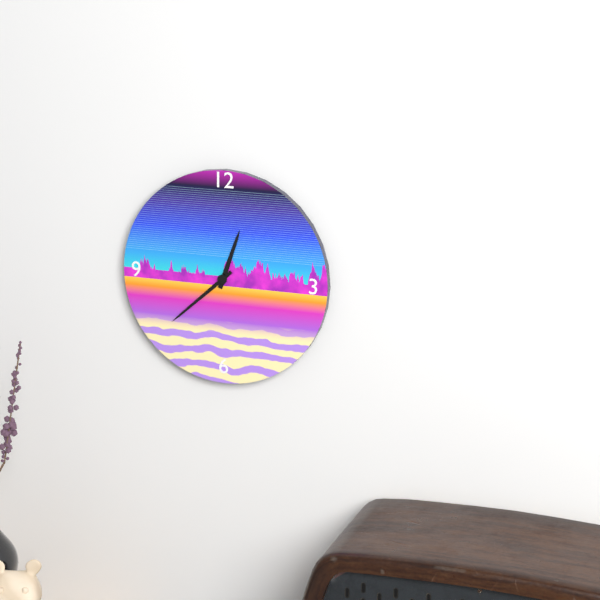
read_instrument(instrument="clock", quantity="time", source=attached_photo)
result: 12:38
